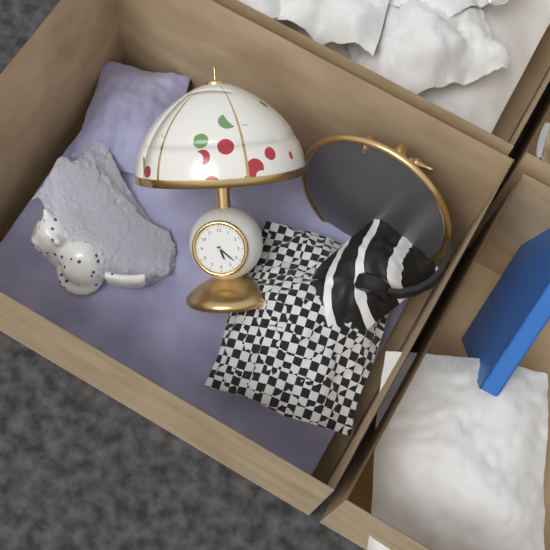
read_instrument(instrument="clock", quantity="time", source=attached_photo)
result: 5:22
